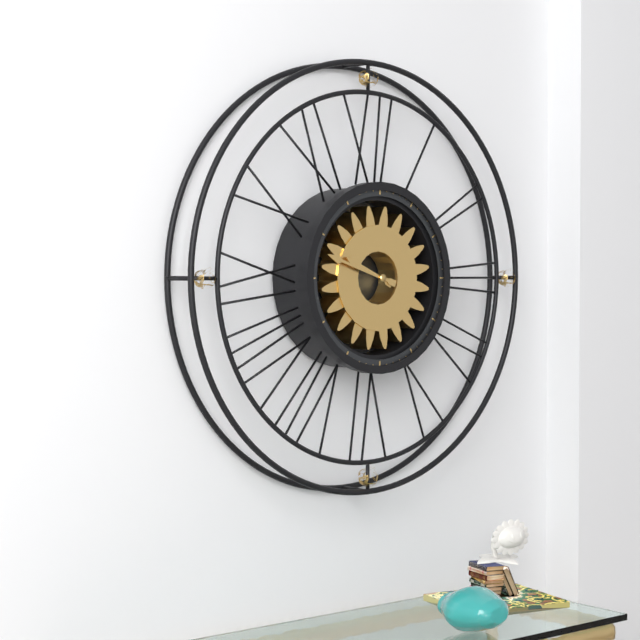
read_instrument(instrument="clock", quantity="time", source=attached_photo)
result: 9:48
